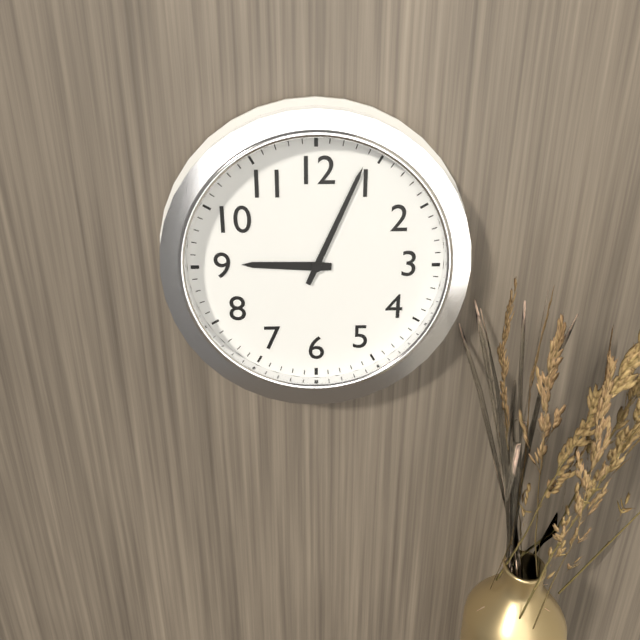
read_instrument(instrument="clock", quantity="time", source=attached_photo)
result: 9:04
